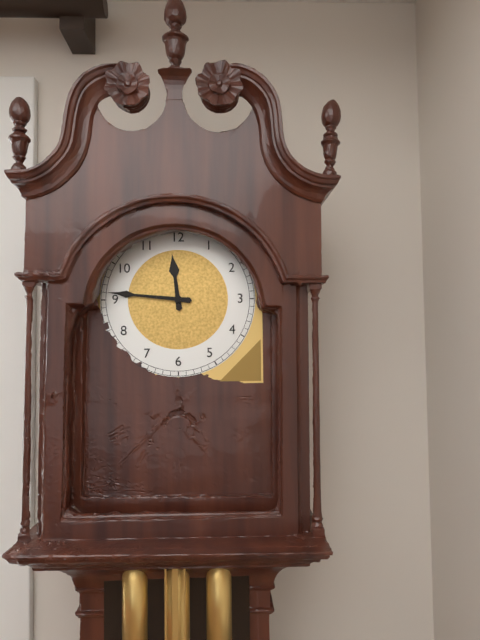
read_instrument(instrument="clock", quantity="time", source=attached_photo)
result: 11:46
